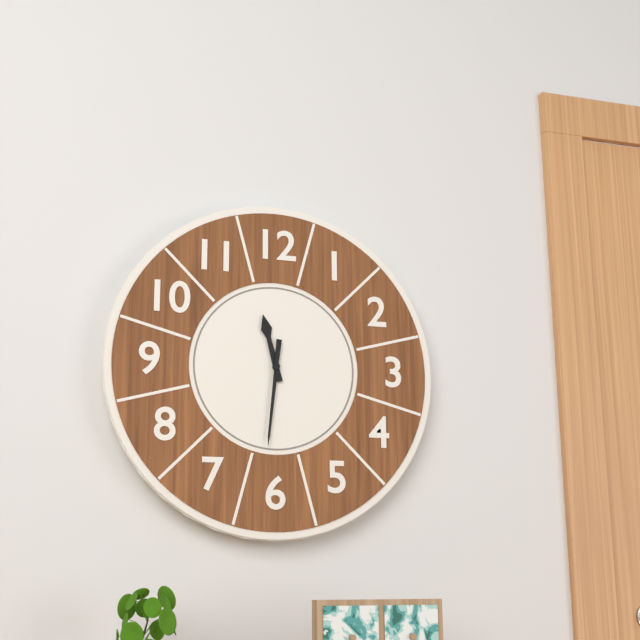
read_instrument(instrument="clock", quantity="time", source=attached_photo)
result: 11:31
